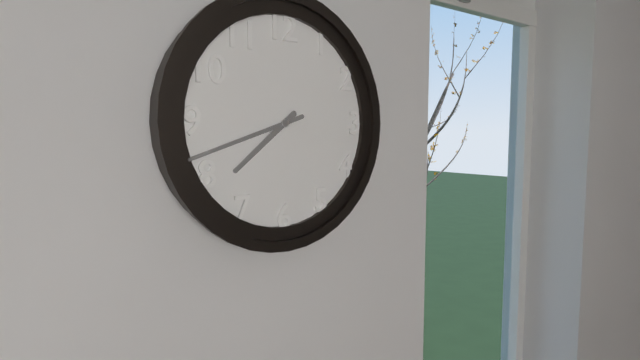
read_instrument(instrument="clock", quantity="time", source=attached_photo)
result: 7:42
